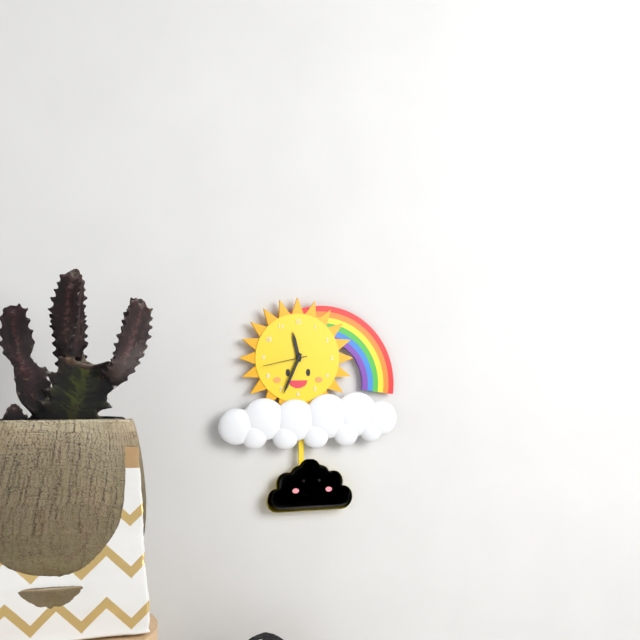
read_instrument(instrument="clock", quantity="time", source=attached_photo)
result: 11:34
